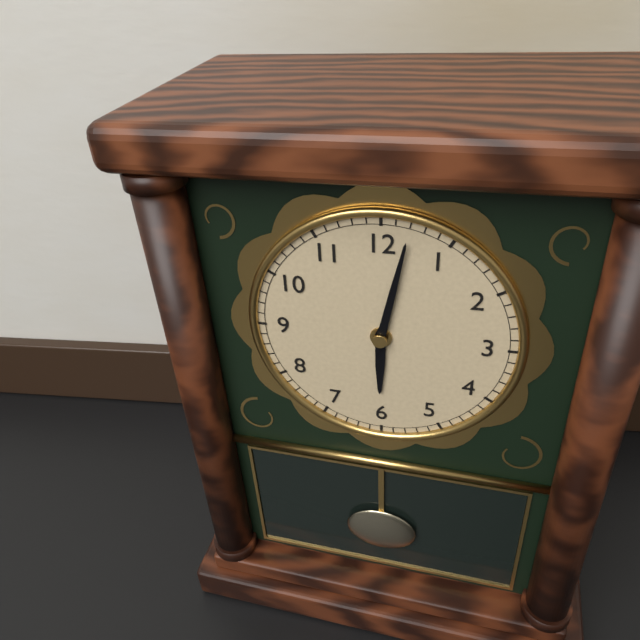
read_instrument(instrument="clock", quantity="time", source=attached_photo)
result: 6:02
